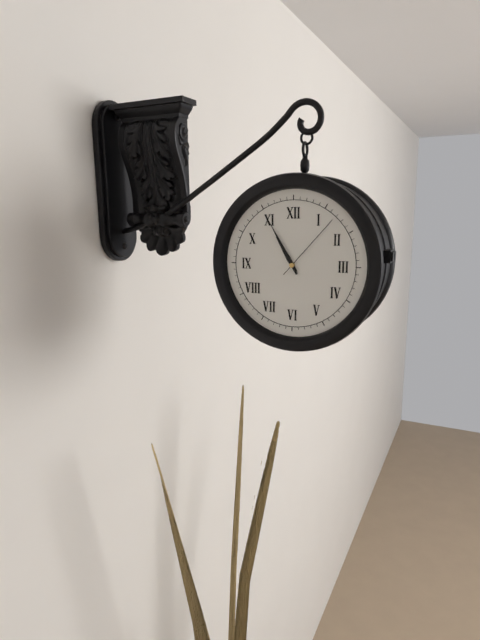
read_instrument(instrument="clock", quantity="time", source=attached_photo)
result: 10:55:07
